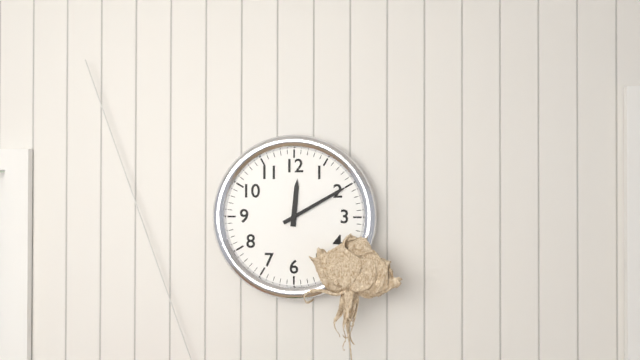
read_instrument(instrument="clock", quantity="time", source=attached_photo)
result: 12:10
